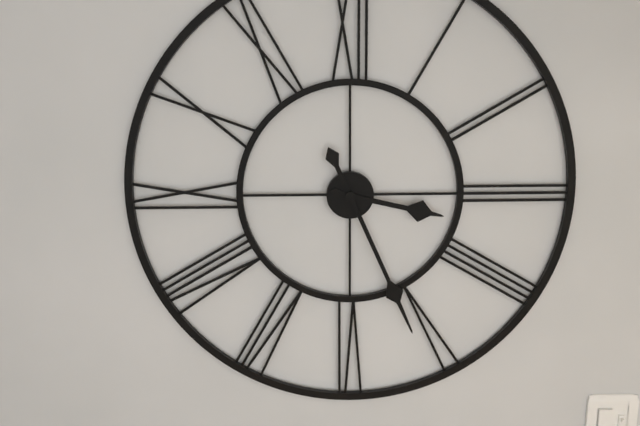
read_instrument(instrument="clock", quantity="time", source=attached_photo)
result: 3:26
